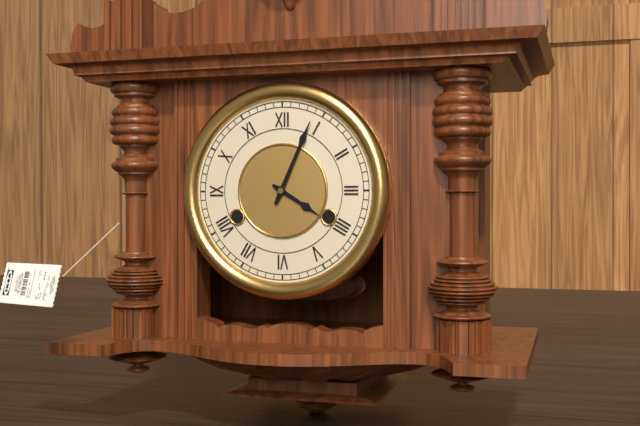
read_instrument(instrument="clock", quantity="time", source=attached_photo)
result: 4:04
